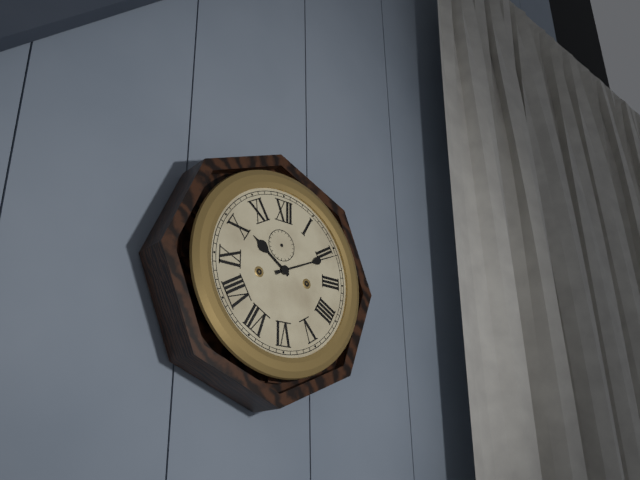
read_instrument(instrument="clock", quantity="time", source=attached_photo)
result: 10:11
